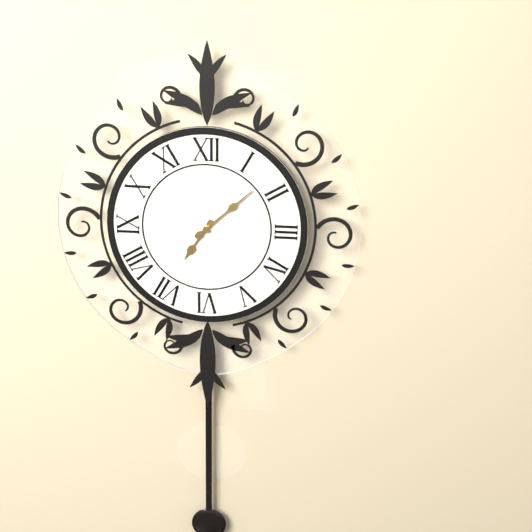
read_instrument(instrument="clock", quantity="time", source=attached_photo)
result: 7:08
